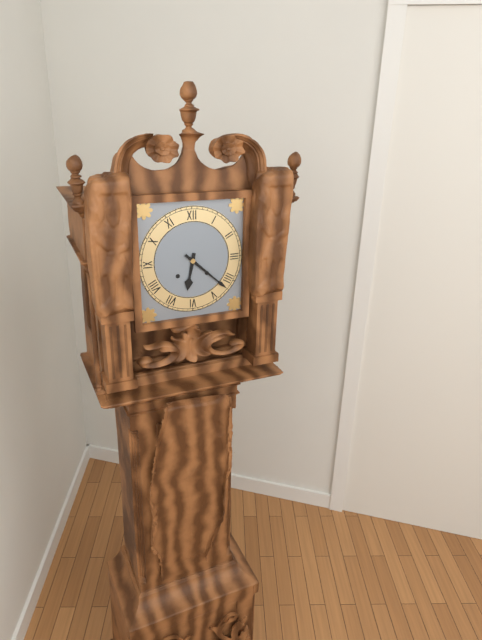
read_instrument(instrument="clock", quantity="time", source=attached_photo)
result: 6:22
